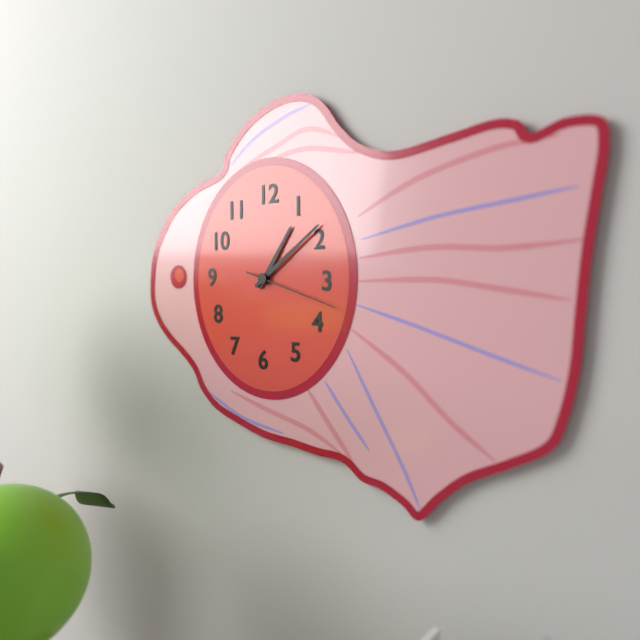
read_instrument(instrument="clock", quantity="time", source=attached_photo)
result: 1:09:18
